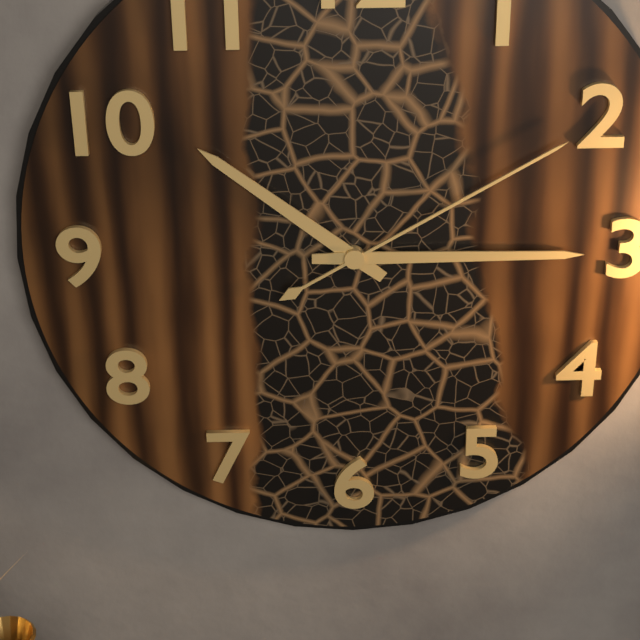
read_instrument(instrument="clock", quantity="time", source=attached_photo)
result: 10:15:10
